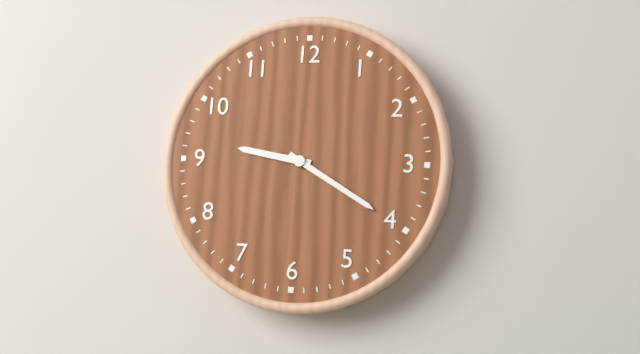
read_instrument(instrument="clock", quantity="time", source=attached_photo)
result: 9:20
